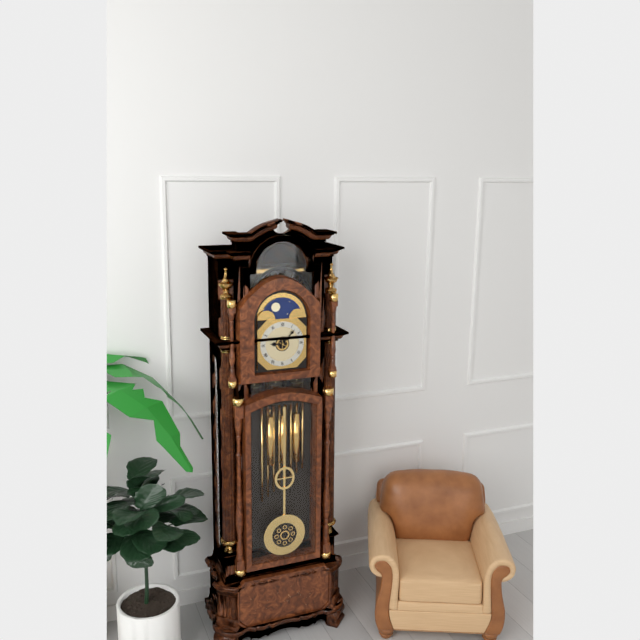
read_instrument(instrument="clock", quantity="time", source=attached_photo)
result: 9:07
